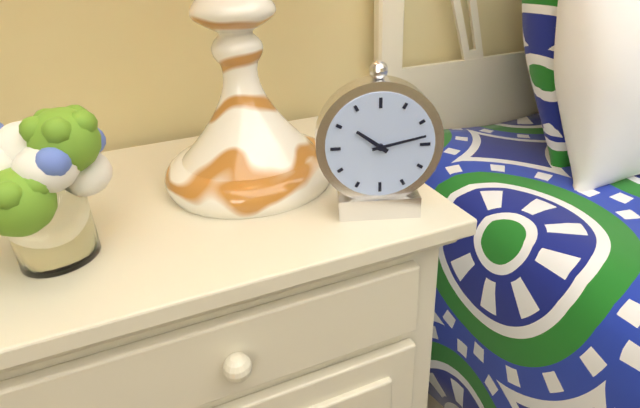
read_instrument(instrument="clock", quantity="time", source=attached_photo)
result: 10:13
